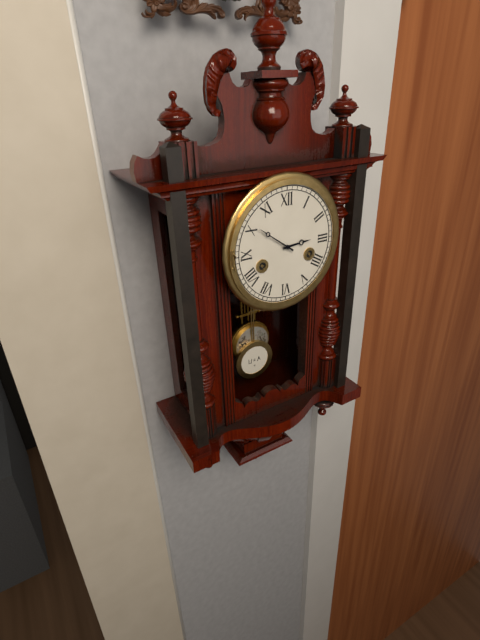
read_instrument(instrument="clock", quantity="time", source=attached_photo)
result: 2:51
